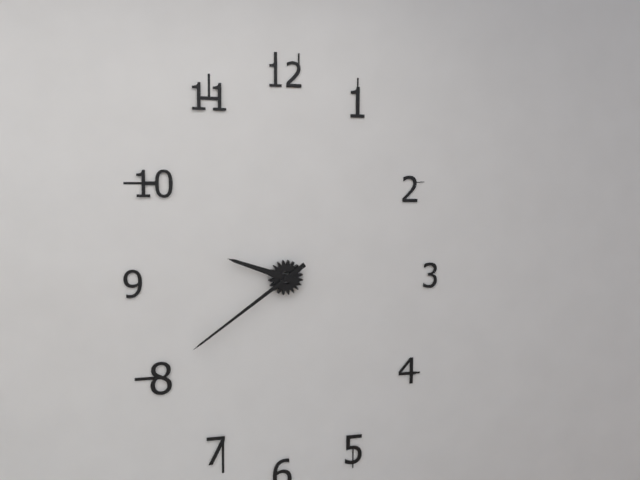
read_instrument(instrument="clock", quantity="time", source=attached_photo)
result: 9:39
